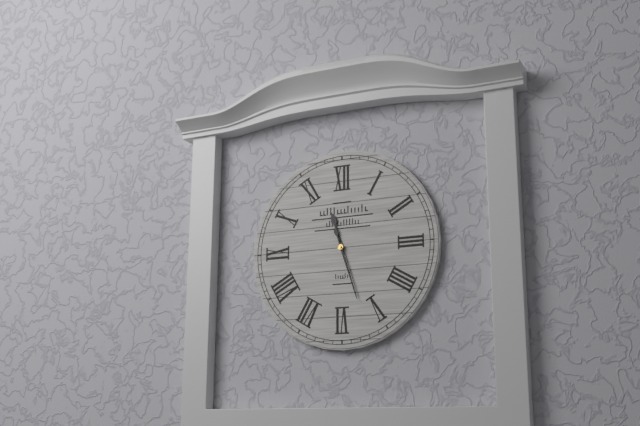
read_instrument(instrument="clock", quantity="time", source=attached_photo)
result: 11:27
